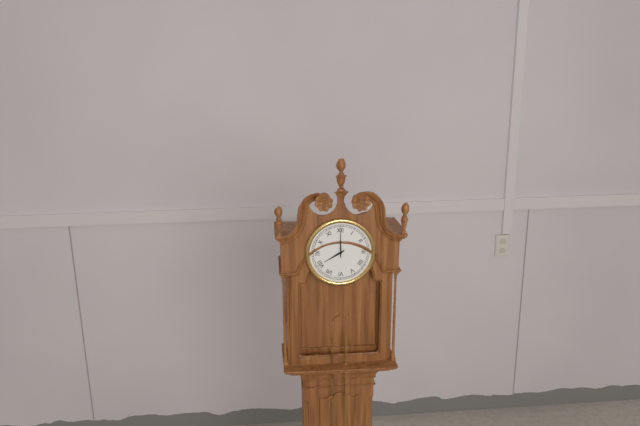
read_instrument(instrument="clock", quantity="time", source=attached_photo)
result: 8:00
